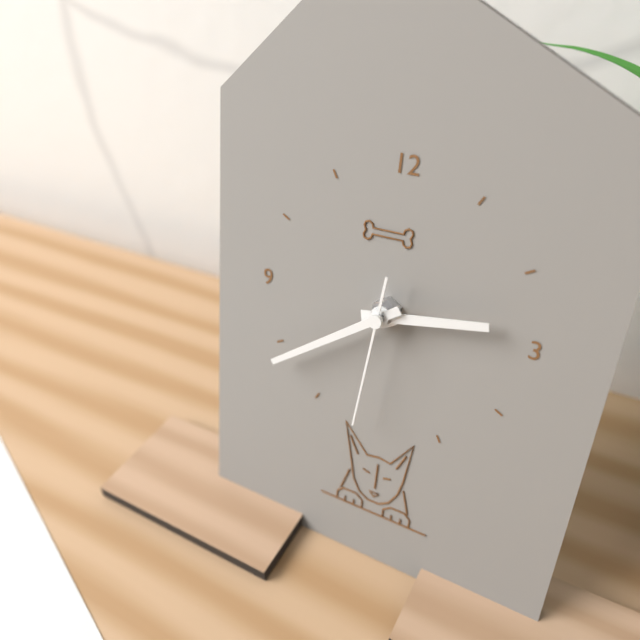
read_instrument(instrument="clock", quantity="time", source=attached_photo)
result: 2:39:31
